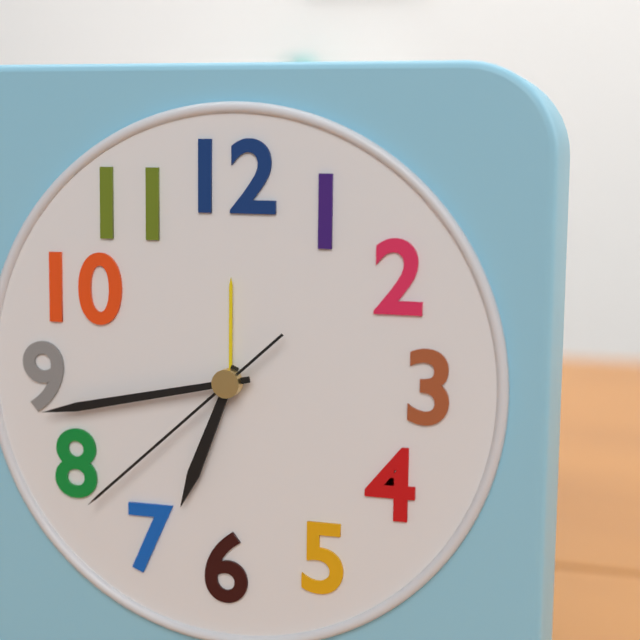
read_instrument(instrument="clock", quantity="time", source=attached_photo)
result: 6:43:38
